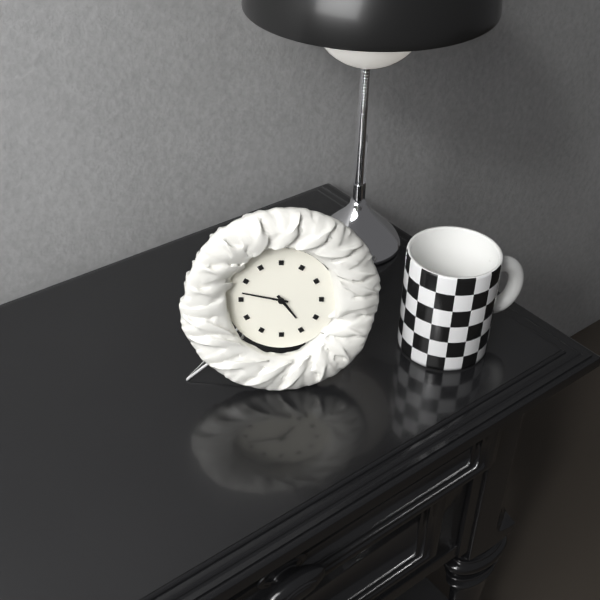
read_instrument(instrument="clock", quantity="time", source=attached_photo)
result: 4:47
